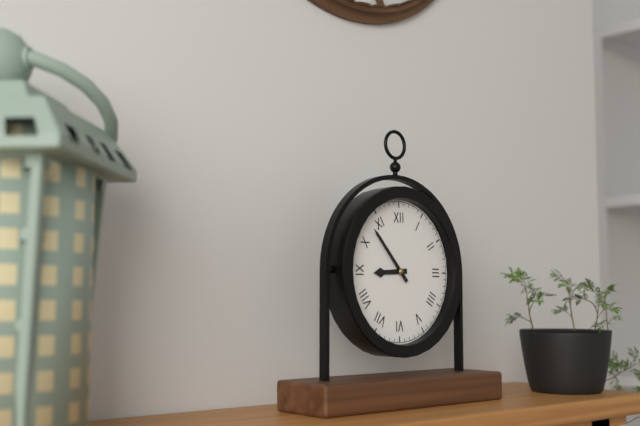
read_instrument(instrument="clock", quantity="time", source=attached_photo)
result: 8:53
